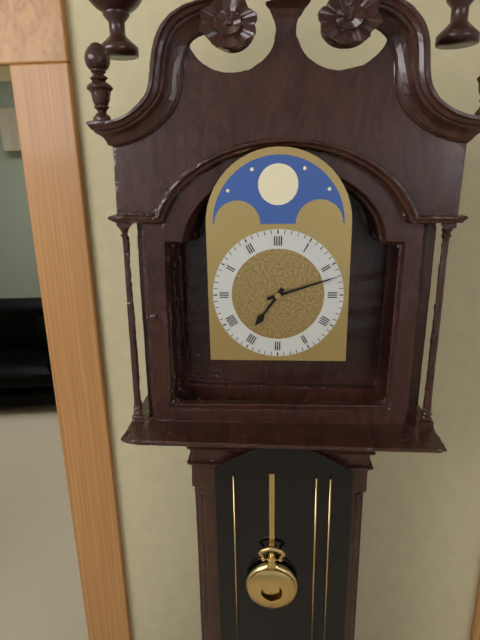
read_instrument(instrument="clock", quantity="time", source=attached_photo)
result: 7:12
